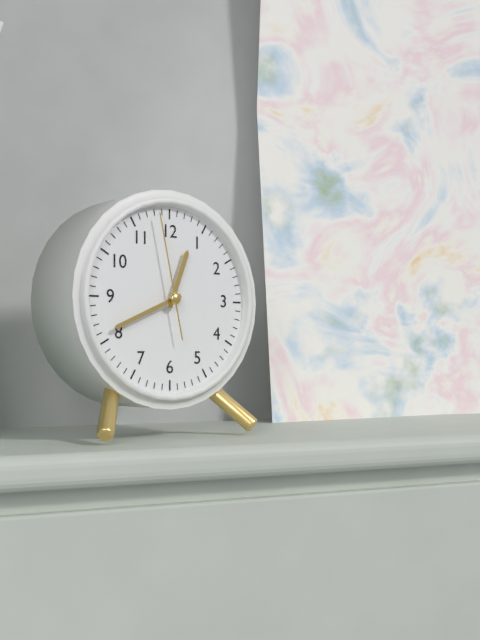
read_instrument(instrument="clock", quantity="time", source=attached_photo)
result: 12:41:58
